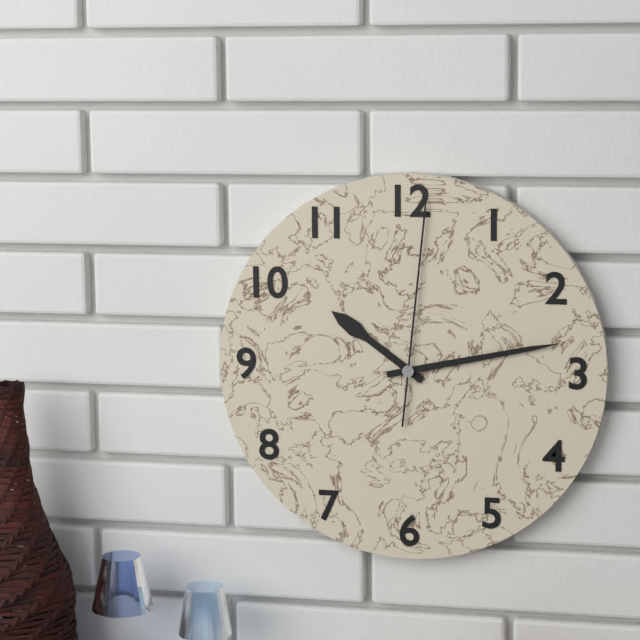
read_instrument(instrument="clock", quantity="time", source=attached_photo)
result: 10:13:01
